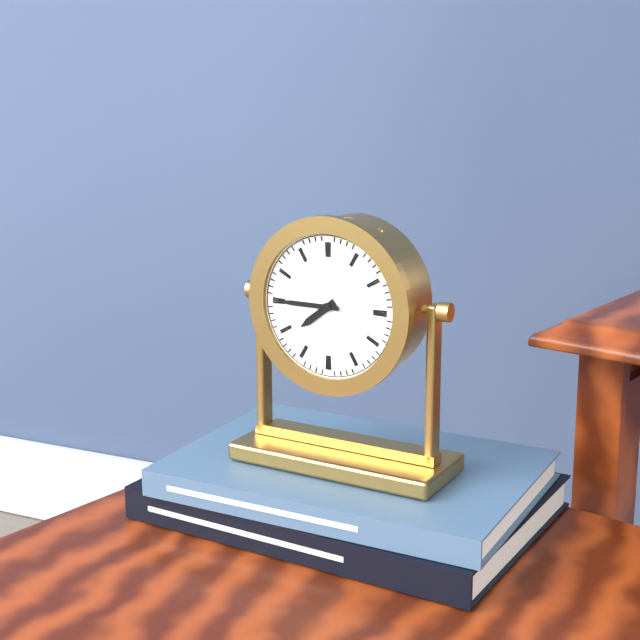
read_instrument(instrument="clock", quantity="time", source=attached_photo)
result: 7:45
